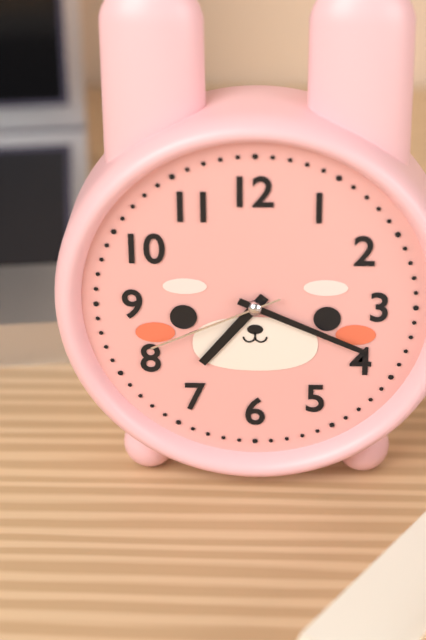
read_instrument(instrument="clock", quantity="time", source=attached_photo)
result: 7:19:41
